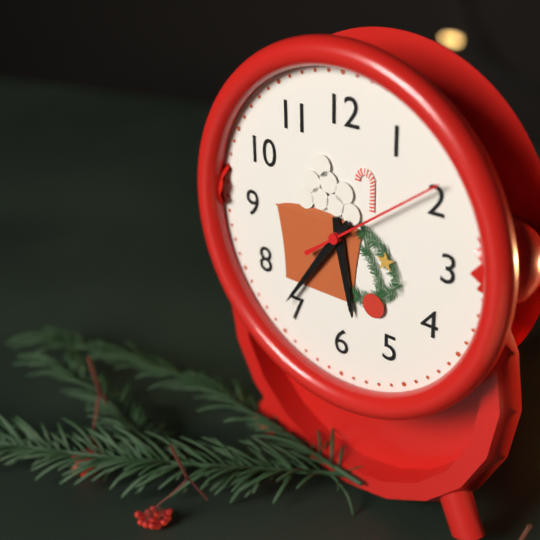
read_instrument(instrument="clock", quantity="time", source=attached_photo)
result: 5:36:09
